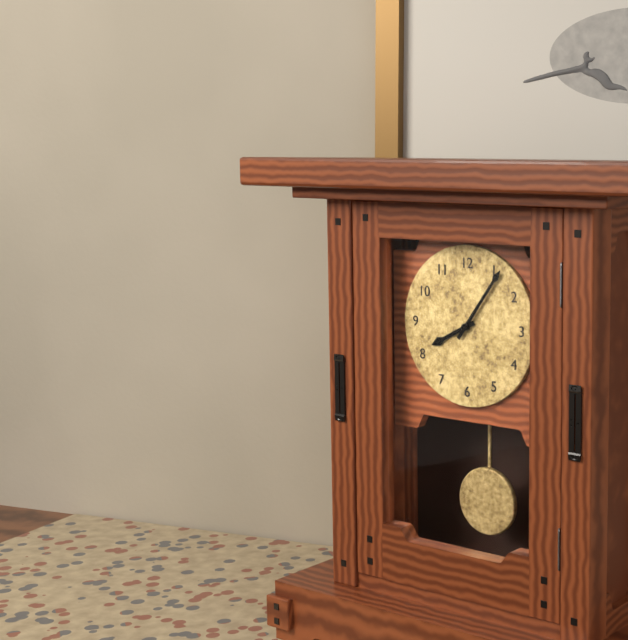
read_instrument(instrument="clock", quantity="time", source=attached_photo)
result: 8:06
